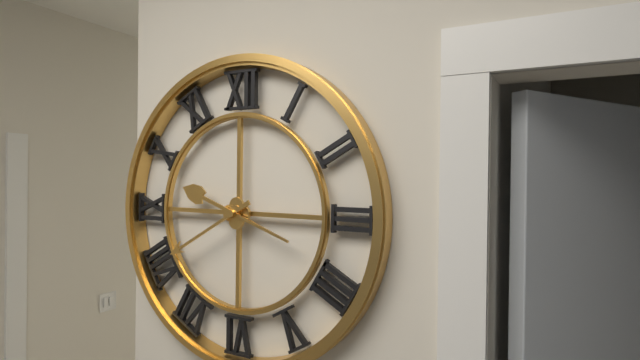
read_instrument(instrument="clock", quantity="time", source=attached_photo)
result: 9:40
